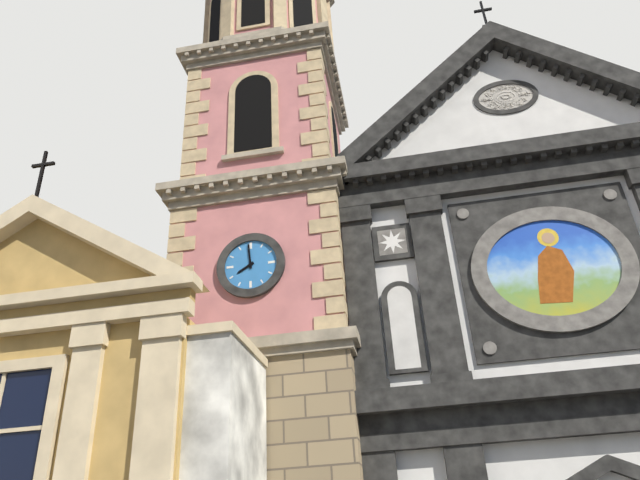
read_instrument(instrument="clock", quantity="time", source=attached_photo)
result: 7:59
